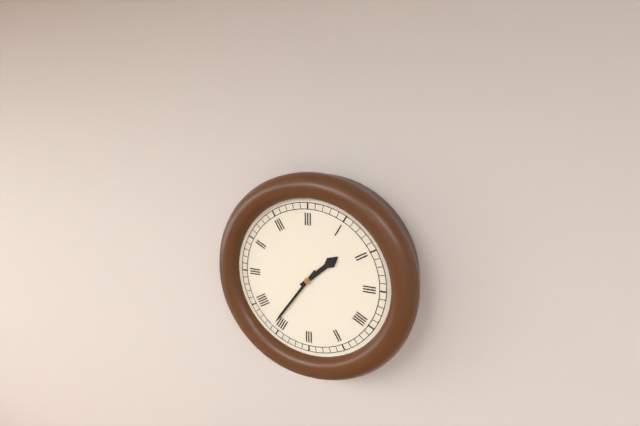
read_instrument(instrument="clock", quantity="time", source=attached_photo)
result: 1:36
